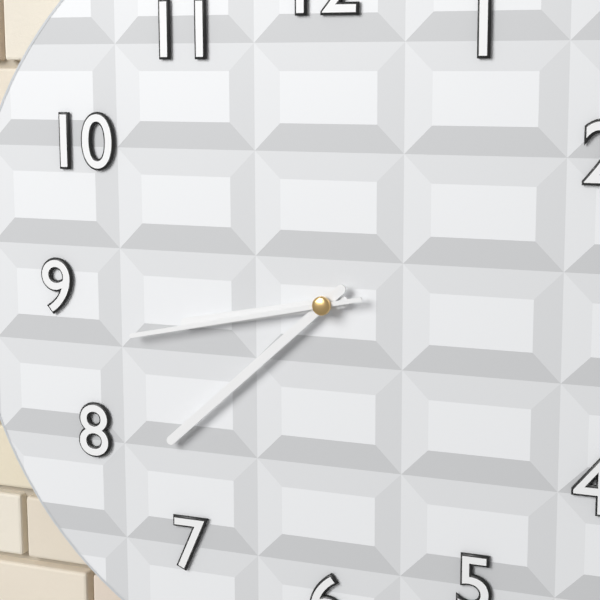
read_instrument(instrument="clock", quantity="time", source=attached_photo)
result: 8:38:43
